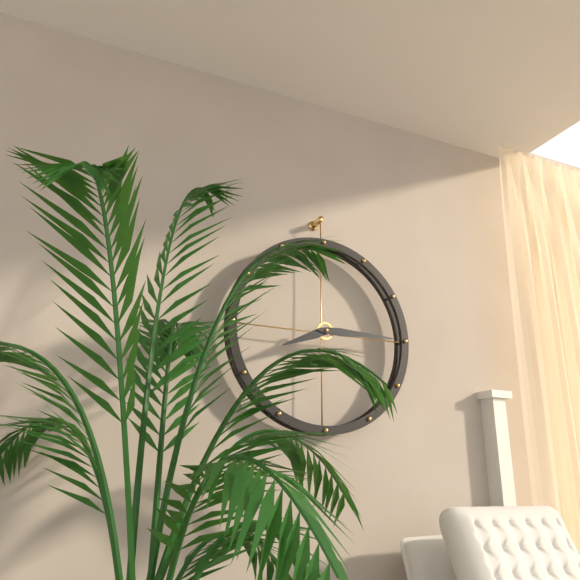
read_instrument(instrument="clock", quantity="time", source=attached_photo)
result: 8:15
